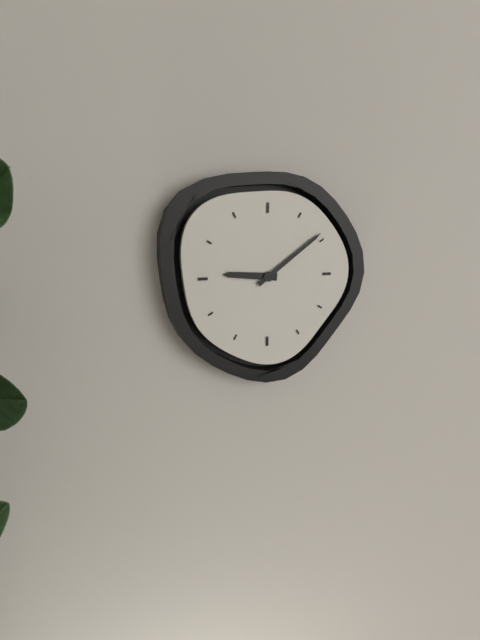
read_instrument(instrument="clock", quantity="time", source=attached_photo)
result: 9:09
